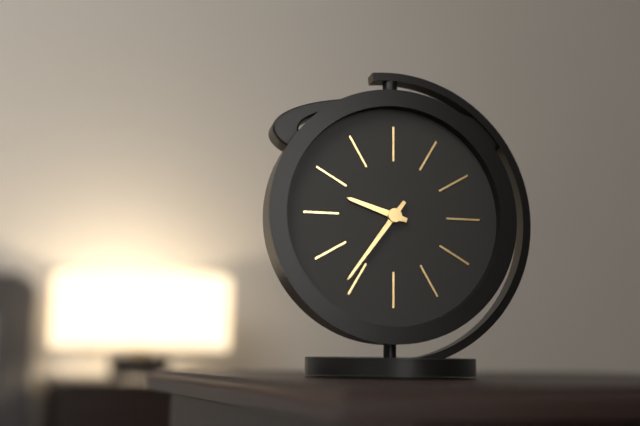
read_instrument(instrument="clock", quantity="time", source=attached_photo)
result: 9:36
